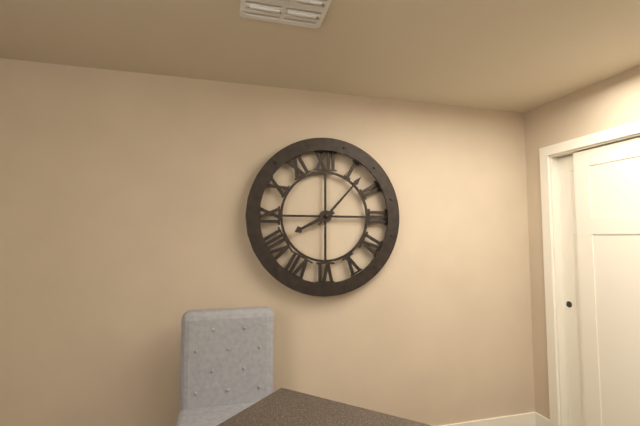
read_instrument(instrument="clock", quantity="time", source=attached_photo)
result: 8:07
